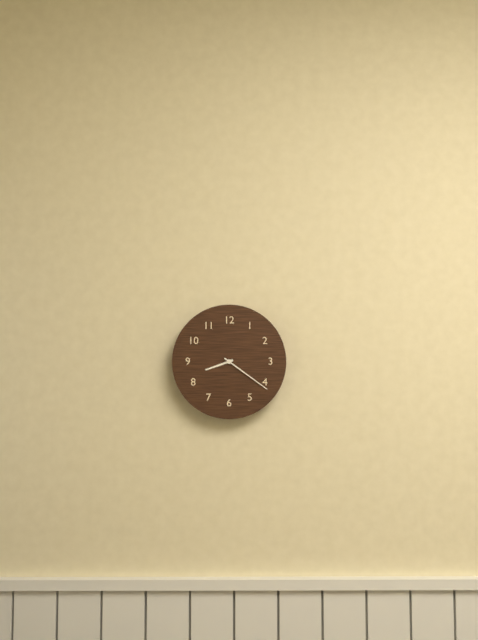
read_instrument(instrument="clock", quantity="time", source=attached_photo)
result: 8:21
